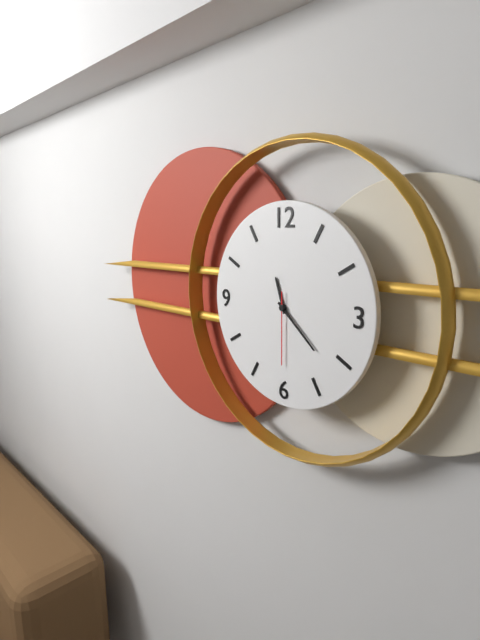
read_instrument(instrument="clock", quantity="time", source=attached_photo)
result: 11:22:30
